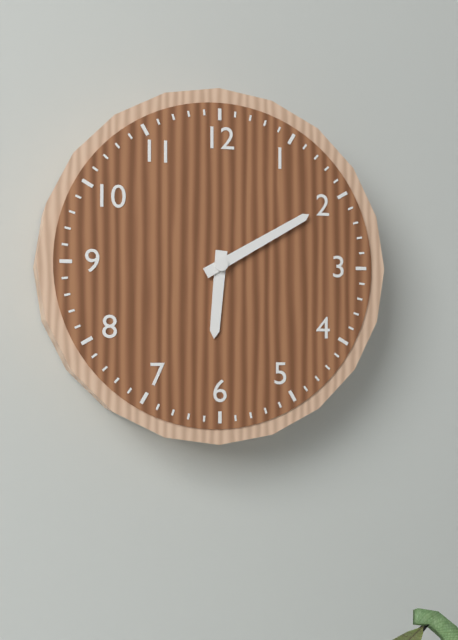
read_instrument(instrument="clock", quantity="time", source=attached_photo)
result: 6:10
